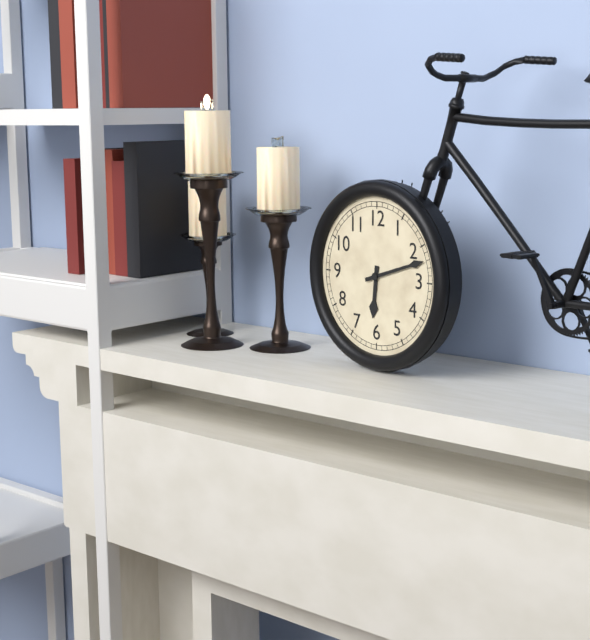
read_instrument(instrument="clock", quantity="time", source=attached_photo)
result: 6:12
